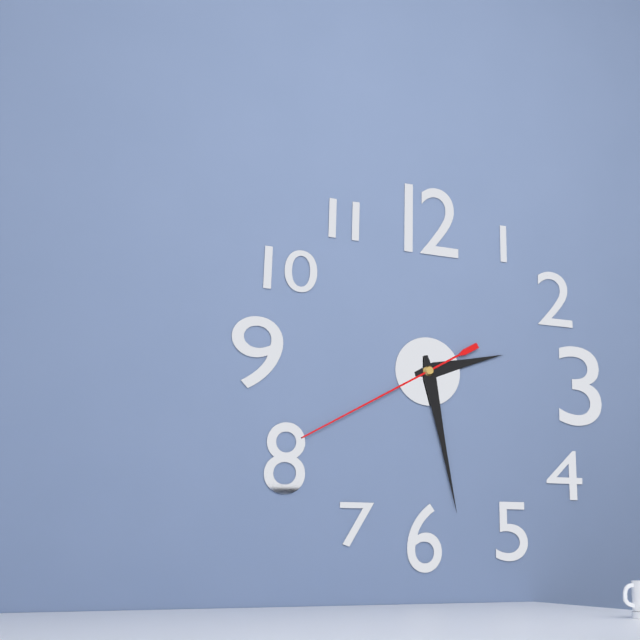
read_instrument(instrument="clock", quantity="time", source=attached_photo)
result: 2:28:40
